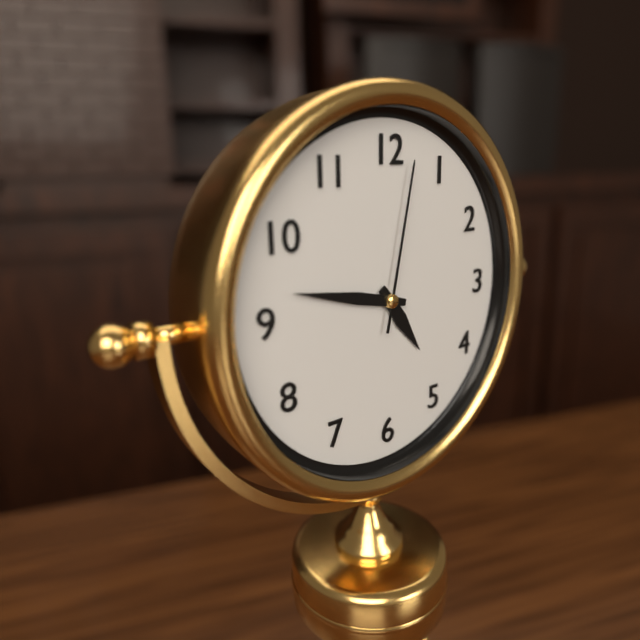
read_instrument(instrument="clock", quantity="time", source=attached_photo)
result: 4:47:02
